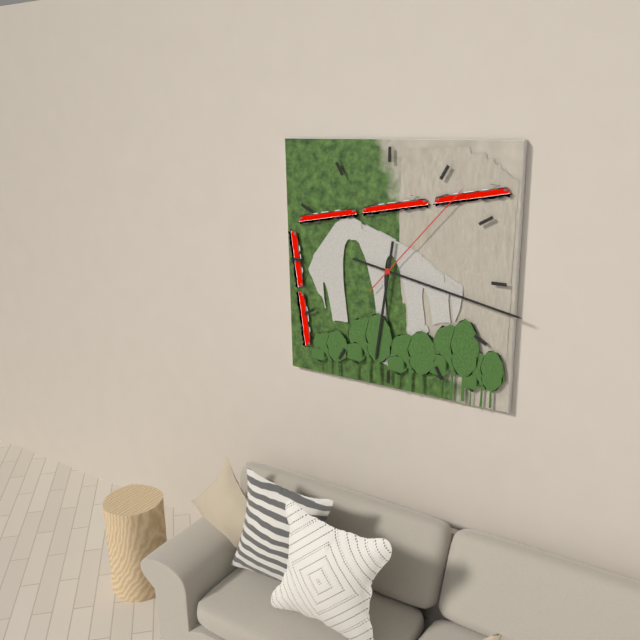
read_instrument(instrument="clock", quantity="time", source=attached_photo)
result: 6:17:07
